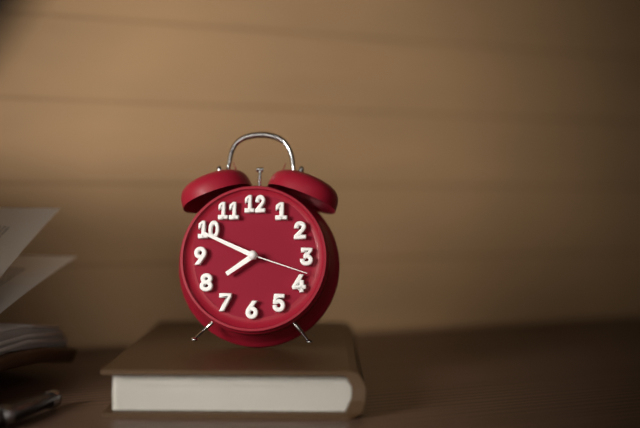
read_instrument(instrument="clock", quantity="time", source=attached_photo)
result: 7:49:18
